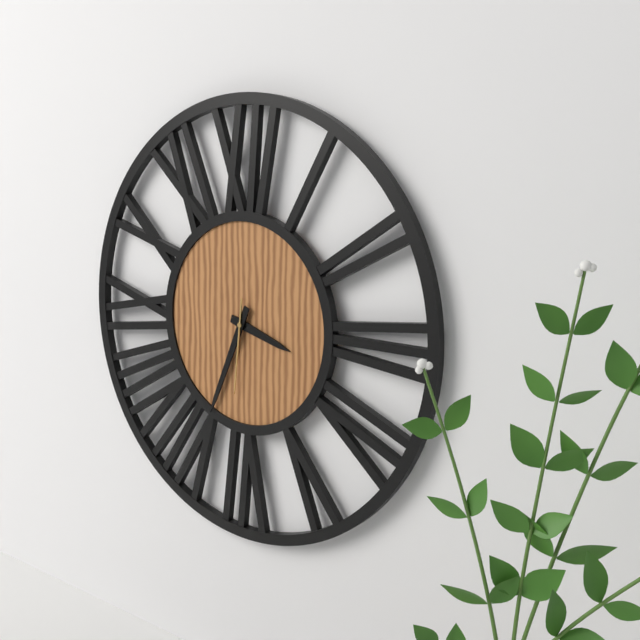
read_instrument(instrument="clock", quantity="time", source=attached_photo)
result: 3:34:31
